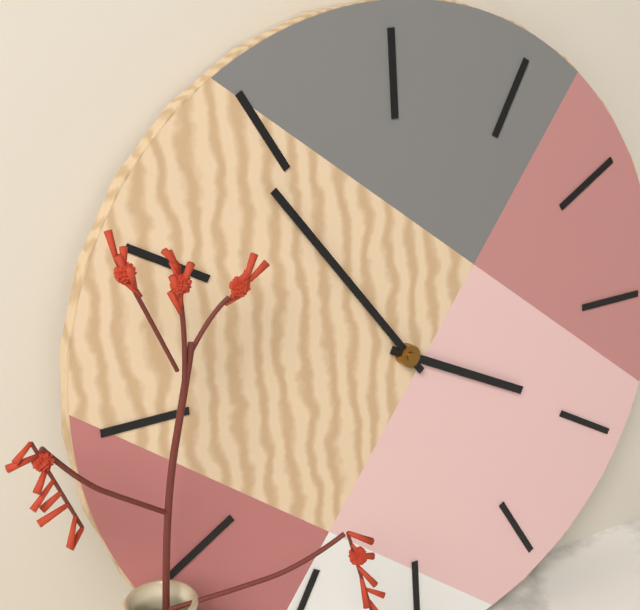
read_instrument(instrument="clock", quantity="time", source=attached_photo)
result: 3:54
